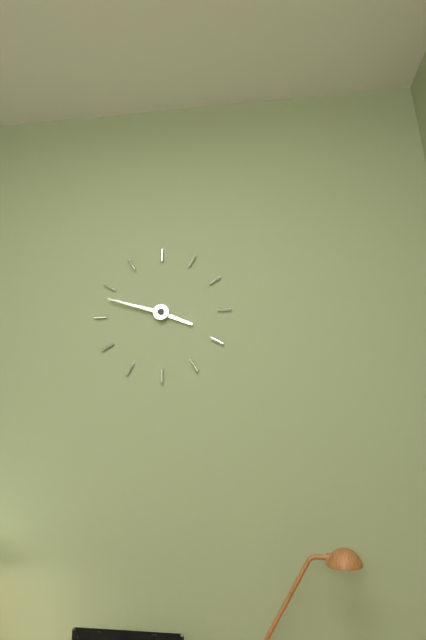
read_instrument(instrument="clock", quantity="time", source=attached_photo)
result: 3:48
